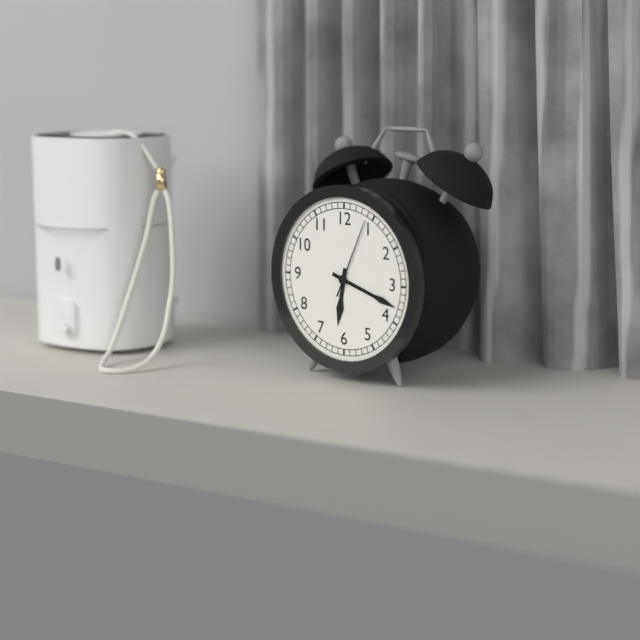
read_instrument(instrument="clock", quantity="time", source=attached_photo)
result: 6:18:04
